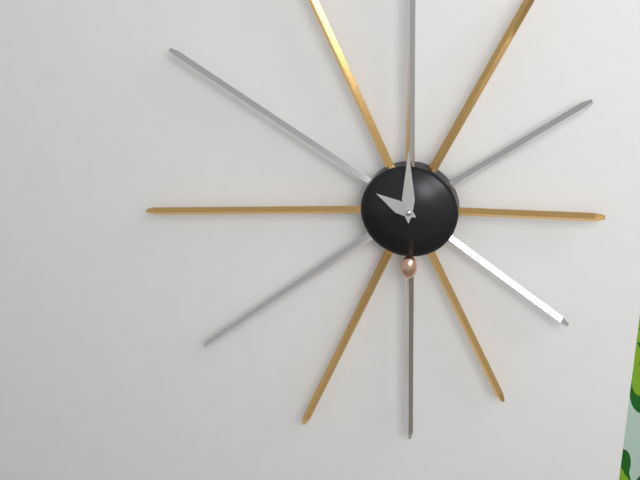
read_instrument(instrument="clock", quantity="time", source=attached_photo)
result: 10:00
